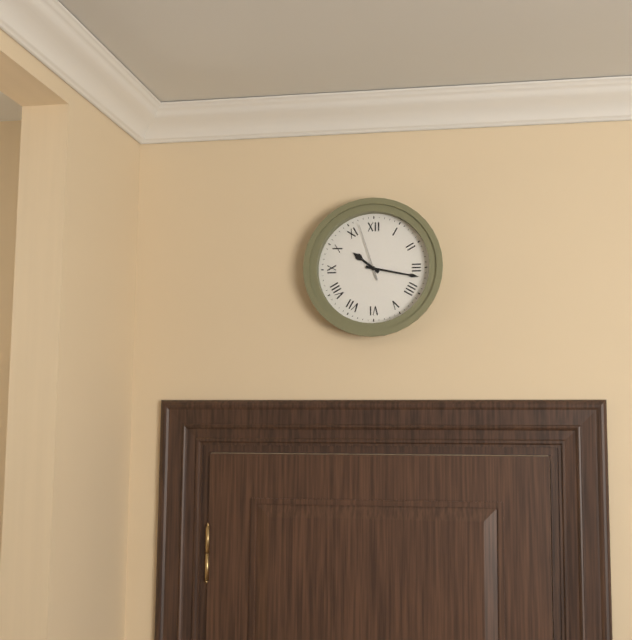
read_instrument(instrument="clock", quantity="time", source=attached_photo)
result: 10:17:57
